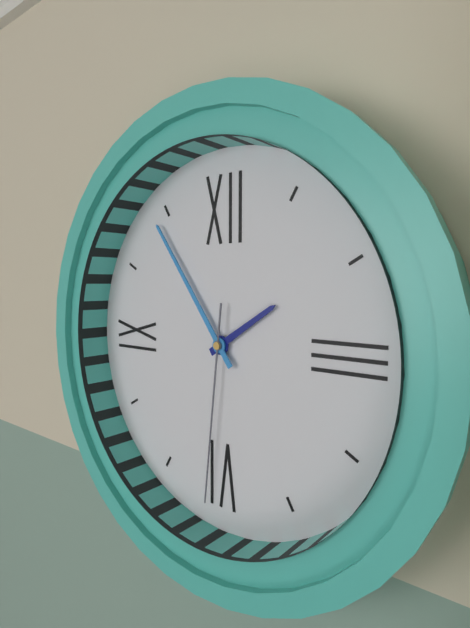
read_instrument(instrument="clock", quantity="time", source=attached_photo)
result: 1:54:31
